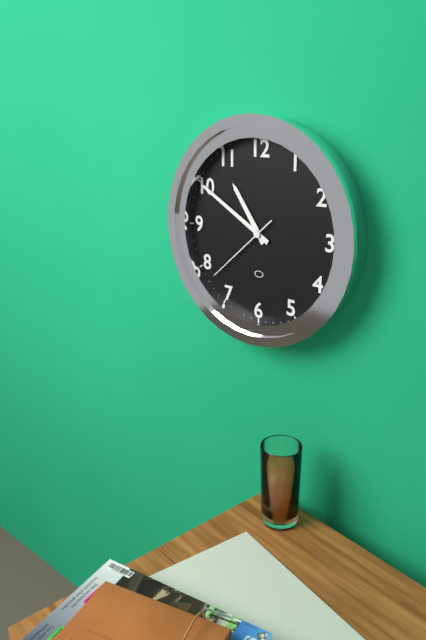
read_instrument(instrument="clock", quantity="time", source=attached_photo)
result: 10:50:38
